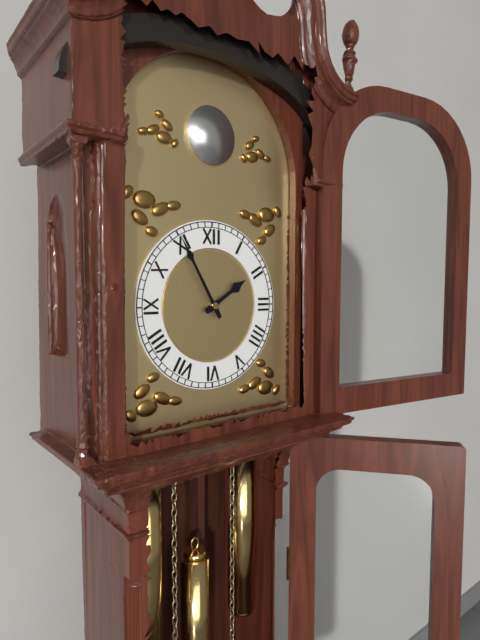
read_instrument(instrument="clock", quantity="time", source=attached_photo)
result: 1:55
